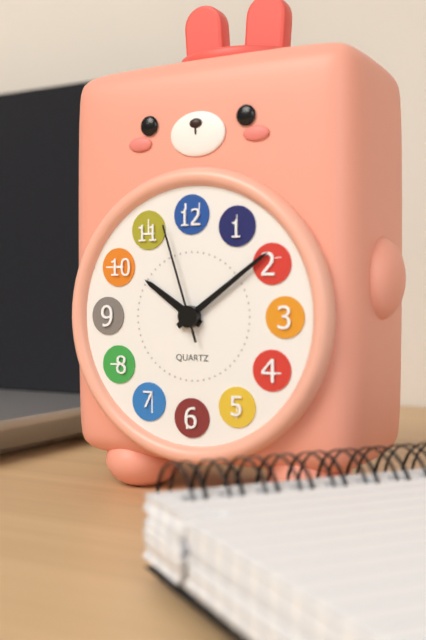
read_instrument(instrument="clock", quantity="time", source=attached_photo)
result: 10:09:57
